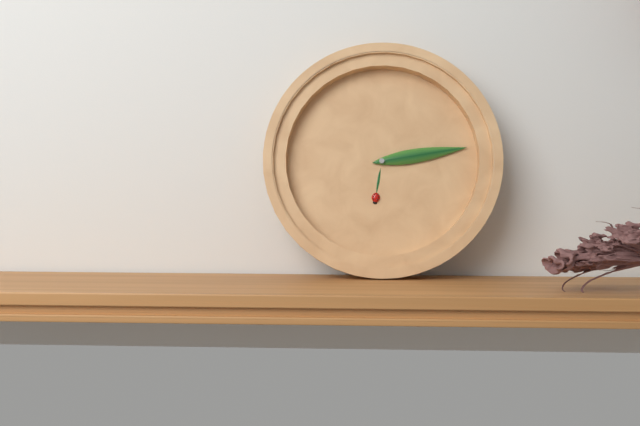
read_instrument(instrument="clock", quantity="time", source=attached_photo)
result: 6:13
